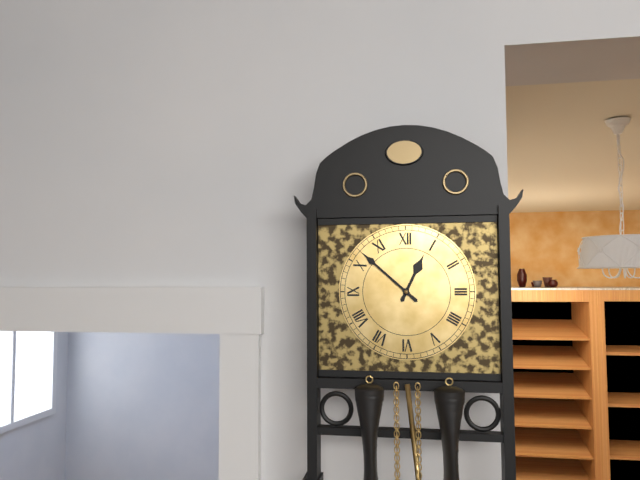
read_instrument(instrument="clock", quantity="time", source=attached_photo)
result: 12:52
